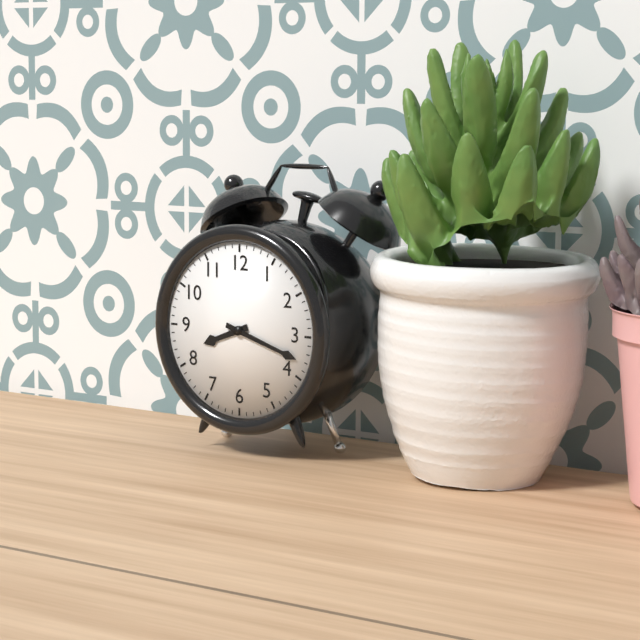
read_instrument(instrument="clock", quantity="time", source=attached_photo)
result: 8:18
